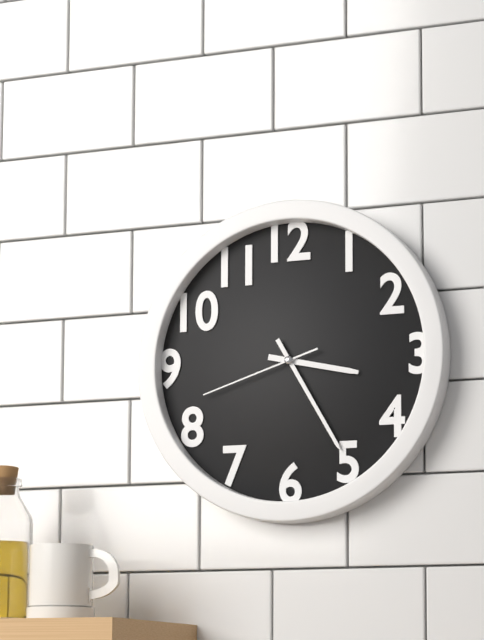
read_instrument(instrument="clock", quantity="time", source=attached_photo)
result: 3:25:42
